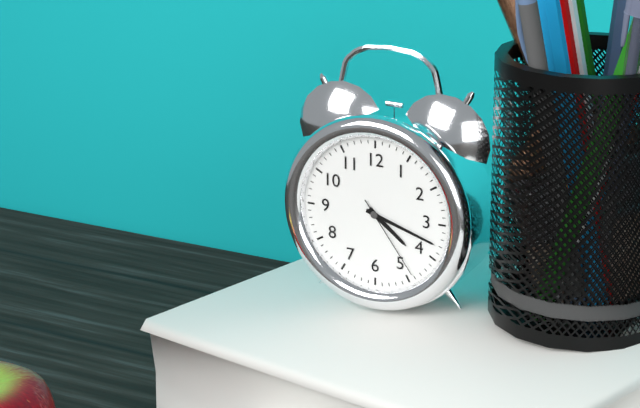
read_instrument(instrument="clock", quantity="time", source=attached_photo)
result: 4:18:24
